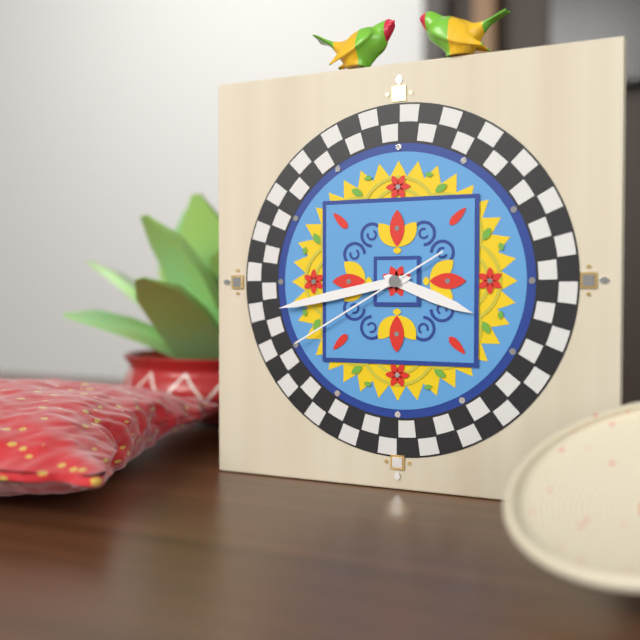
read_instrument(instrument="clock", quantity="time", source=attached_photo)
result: 3:43:40
